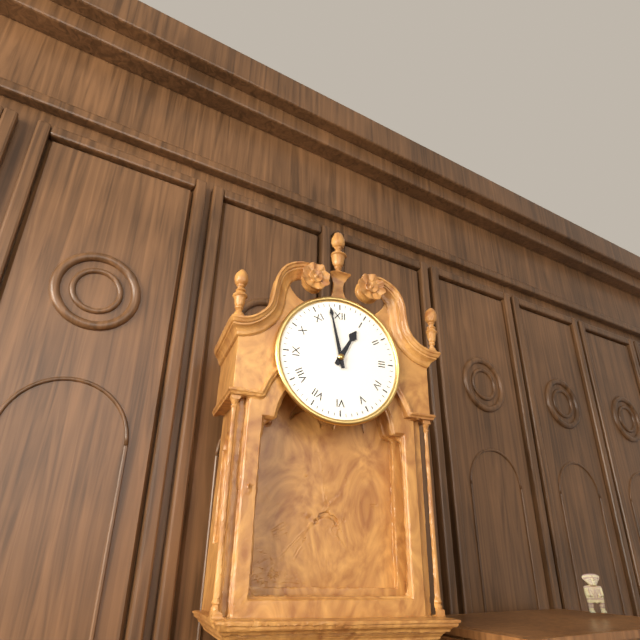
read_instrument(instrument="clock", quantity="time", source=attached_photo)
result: 12:58
